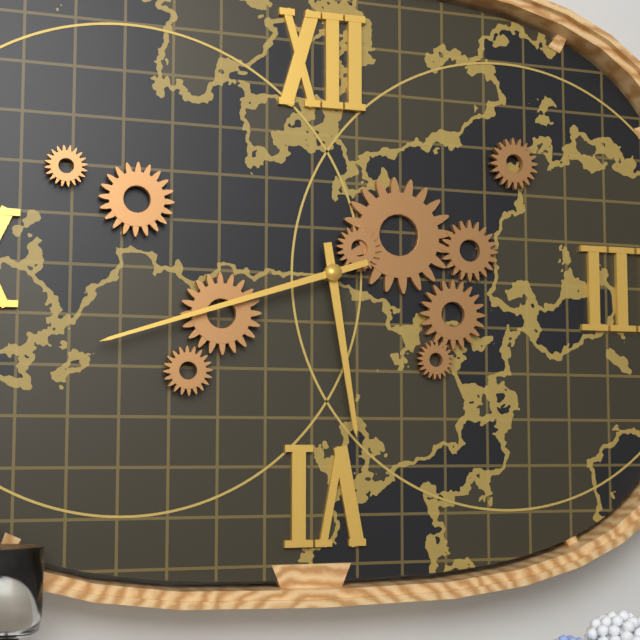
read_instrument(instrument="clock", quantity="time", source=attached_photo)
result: 5:42
